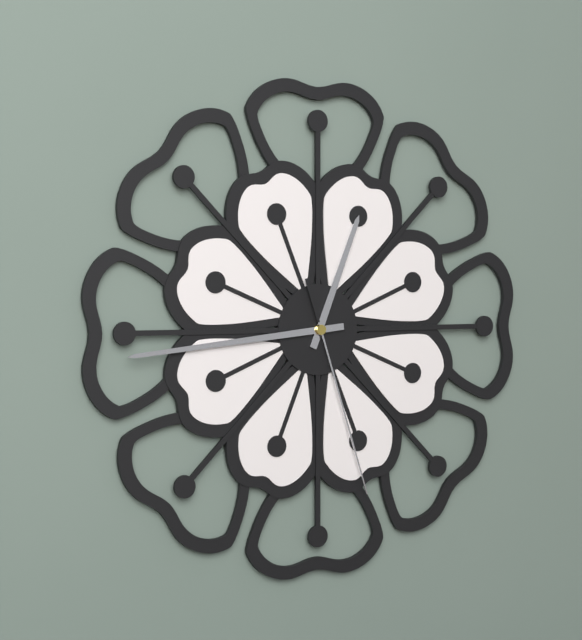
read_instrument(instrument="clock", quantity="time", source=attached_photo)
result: 12:44:27
